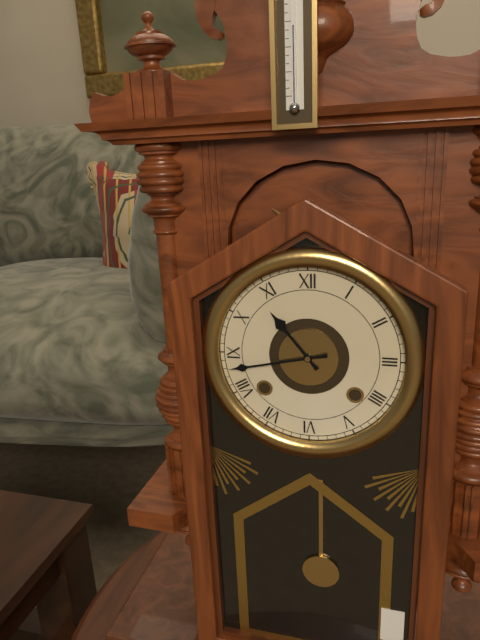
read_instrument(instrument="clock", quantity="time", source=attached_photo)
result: 10:43
